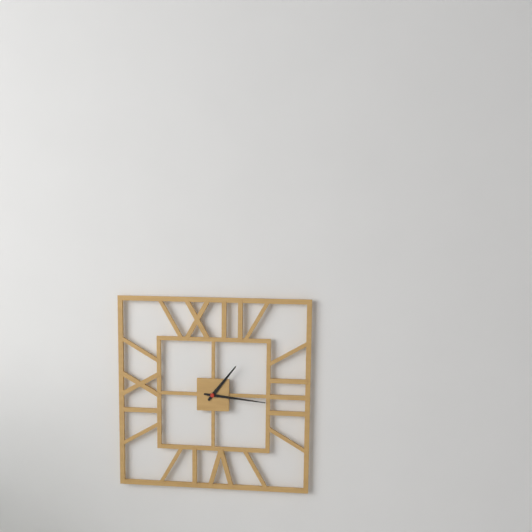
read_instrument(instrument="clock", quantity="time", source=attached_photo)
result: 1:16
